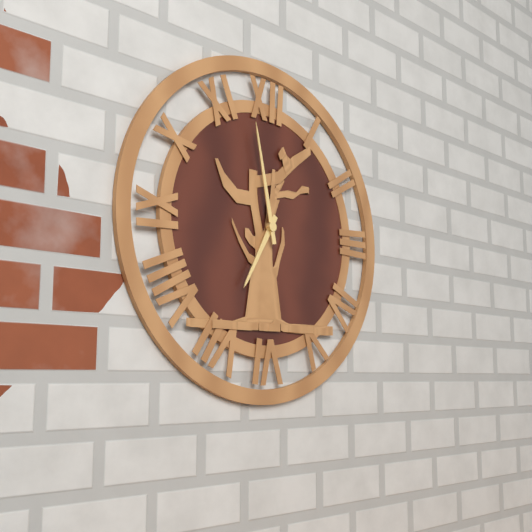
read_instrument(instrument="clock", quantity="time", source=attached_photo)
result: 6:58
